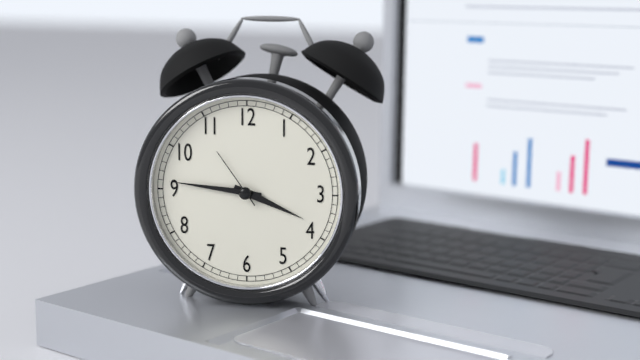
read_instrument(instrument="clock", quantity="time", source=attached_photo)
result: 3:46:54
